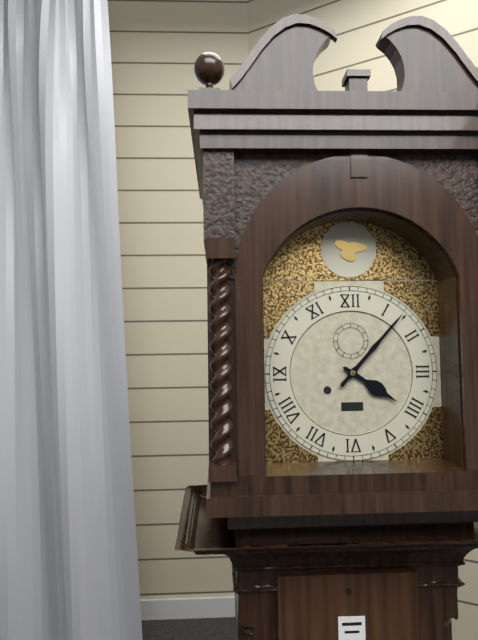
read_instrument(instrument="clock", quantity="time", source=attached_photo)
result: 4:07
